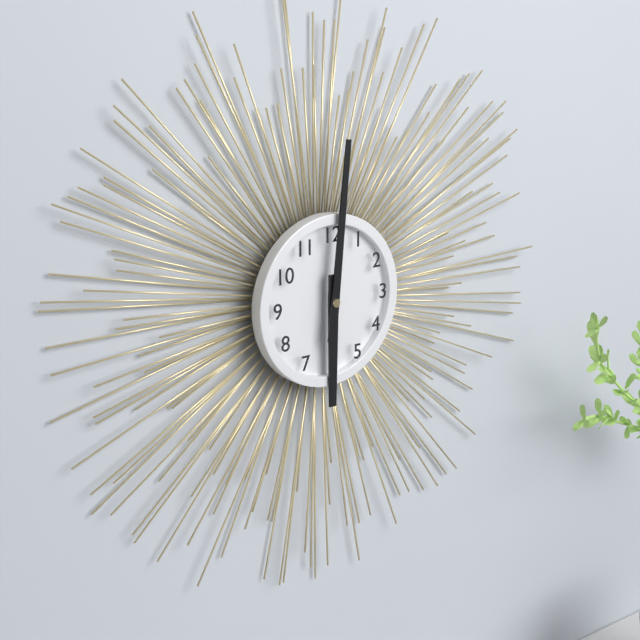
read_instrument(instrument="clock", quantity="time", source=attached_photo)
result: 6:01
